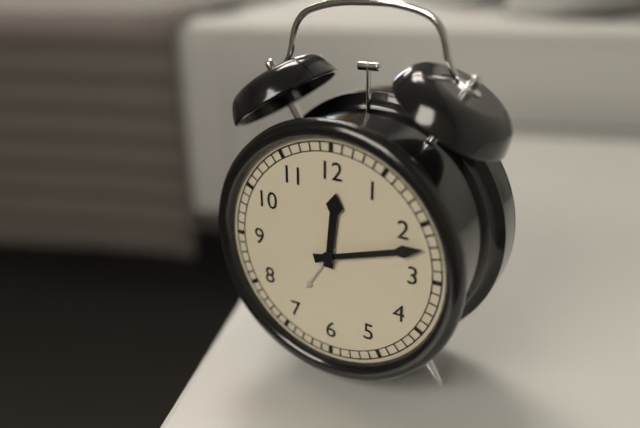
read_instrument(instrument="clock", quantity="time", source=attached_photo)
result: 12:12
